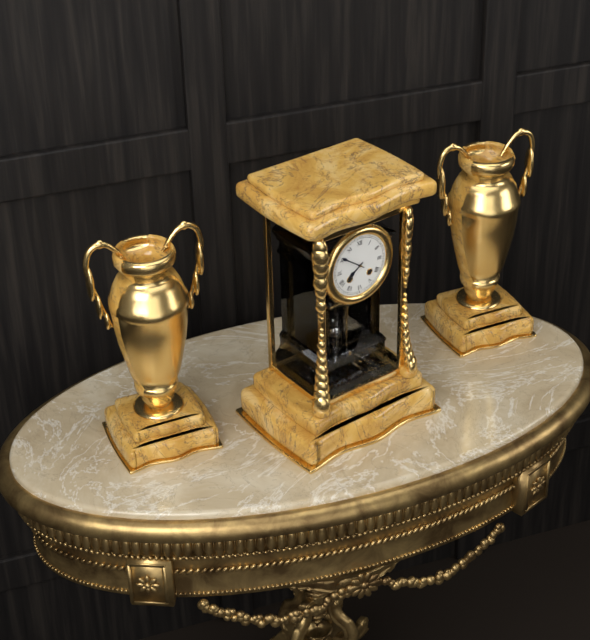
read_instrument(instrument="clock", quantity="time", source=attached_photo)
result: 7:51
